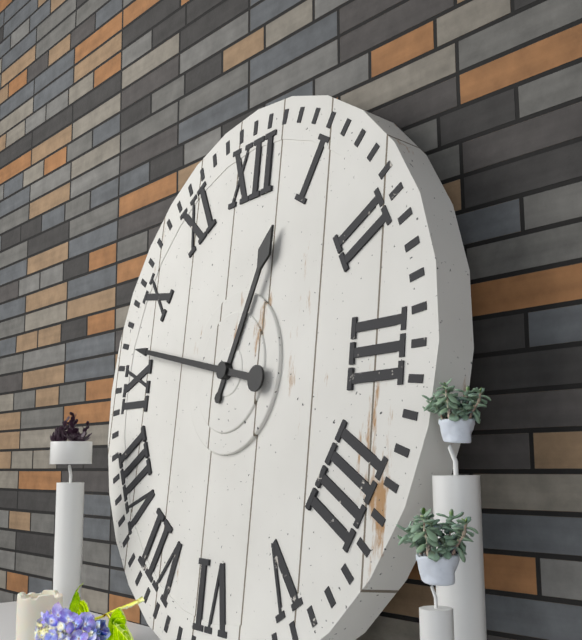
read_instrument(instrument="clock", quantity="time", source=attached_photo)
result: 12:47
